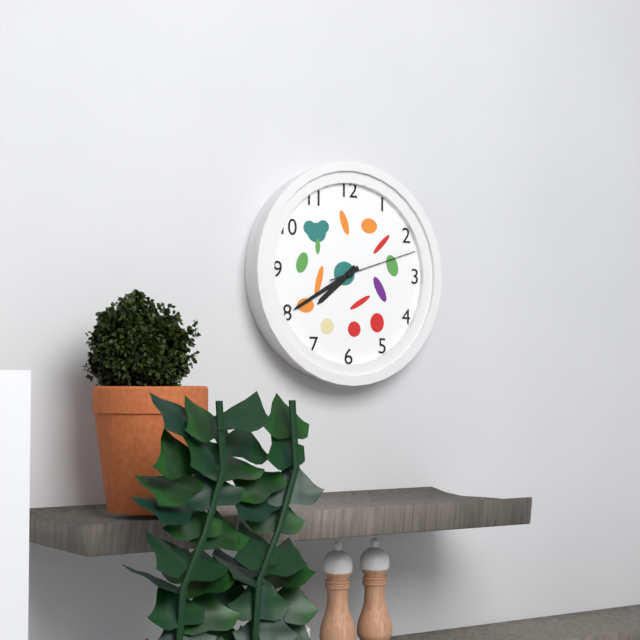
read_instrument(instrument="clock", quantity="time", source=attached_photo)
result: 7:40:12
